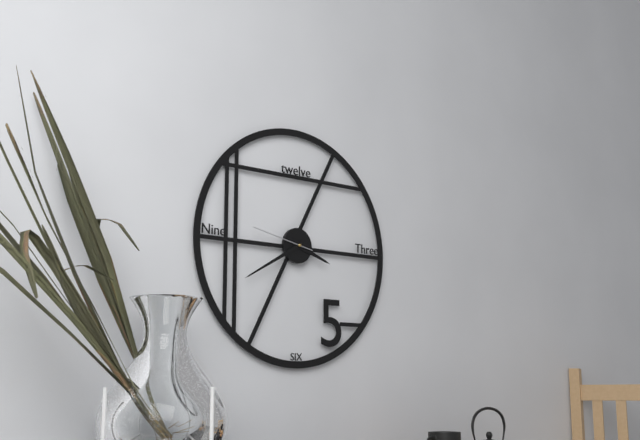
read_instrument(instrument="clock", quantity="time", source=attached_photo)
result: 3:40:47
